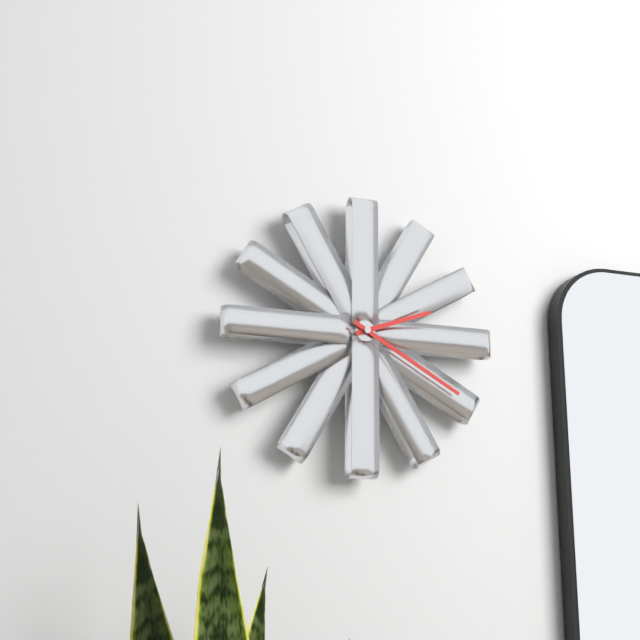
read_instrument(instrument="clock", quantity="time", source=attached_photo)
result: 2:20
